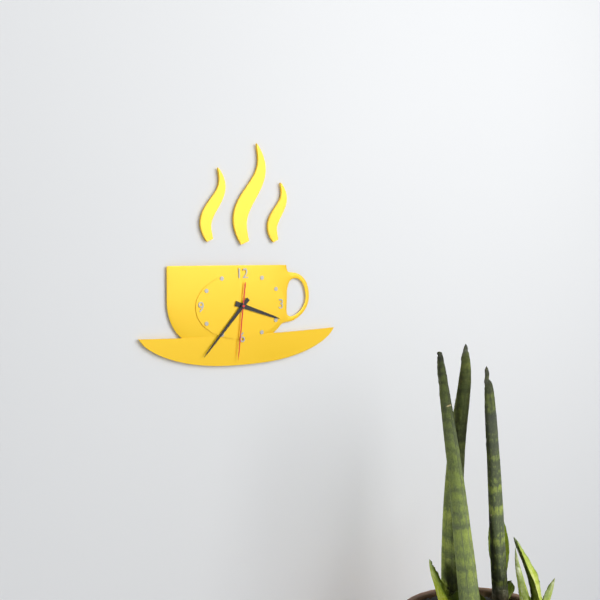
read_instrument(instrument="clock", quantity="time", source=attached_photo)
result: 3:37:31
